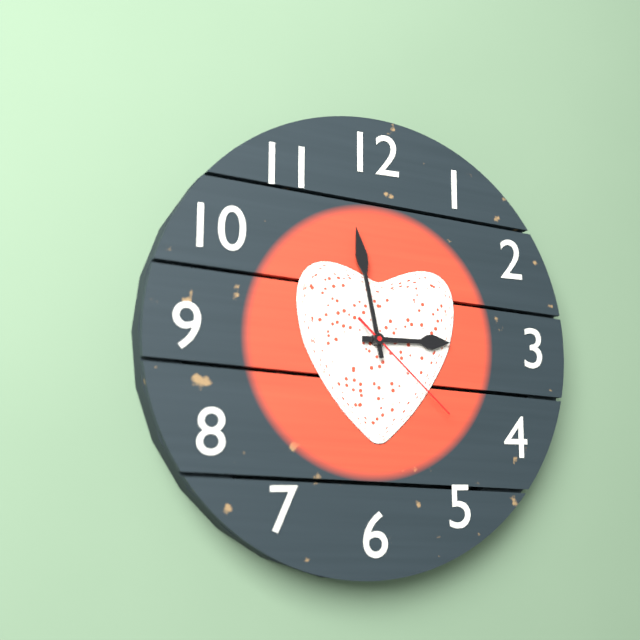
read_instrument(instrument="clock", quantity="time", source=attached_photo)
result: 2:58:22
